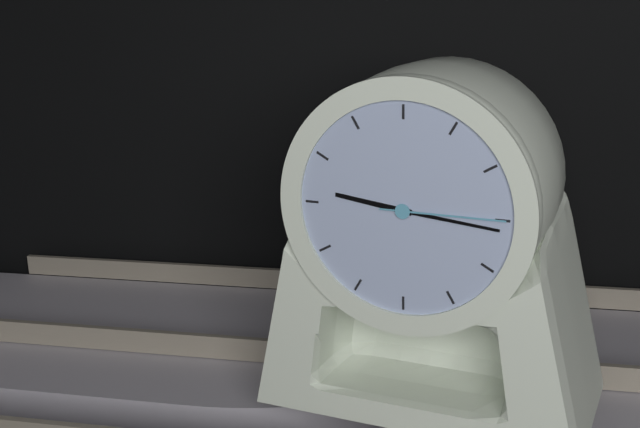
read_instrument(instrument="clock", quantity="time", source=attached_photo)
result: 9:16:15
